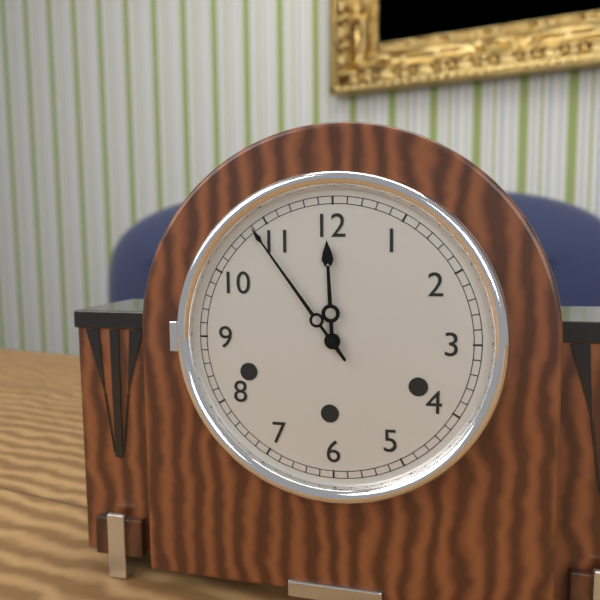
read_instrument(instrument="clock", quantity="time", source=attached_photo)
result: 11:54
